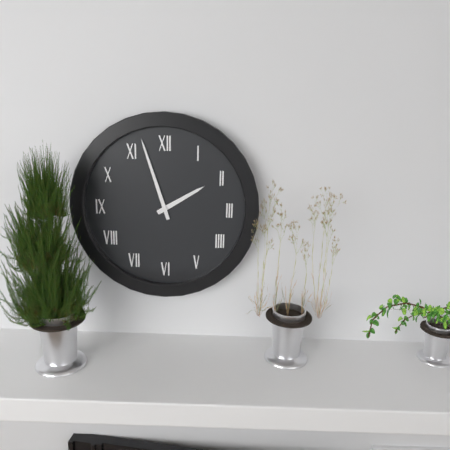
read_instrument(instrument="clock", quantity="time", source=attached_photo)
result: 1:57
